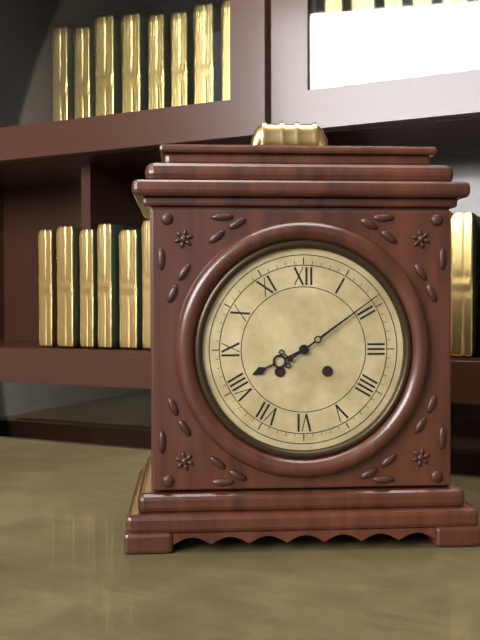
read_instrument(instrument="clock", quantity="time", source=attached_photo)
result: 8:09
